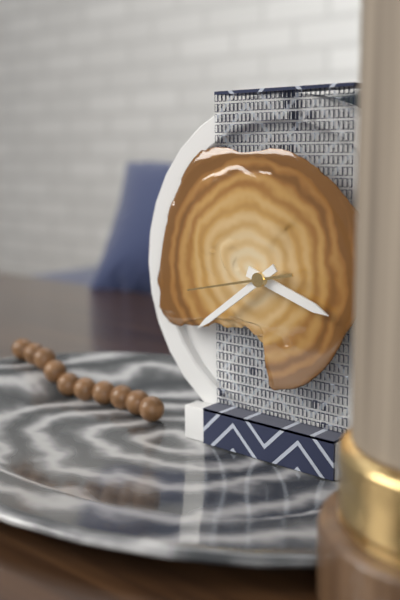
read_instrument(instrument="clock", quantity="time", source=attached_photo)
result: 3:39:43
